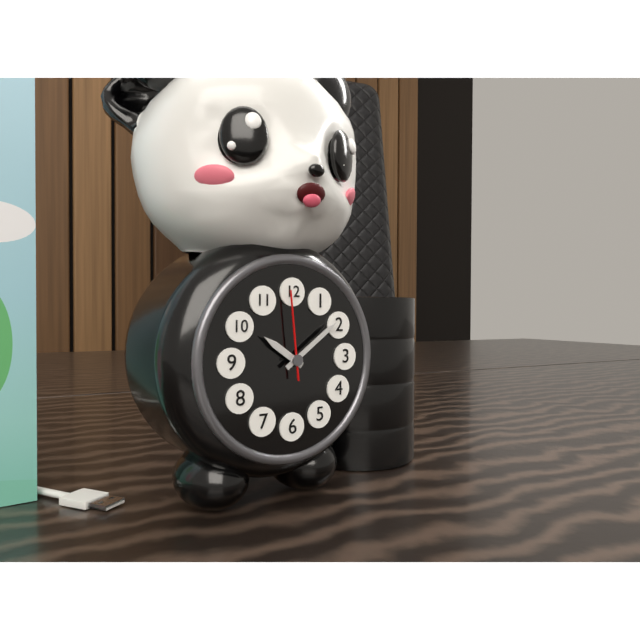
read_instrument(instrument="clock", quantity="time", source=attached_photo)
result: 10:09:59
